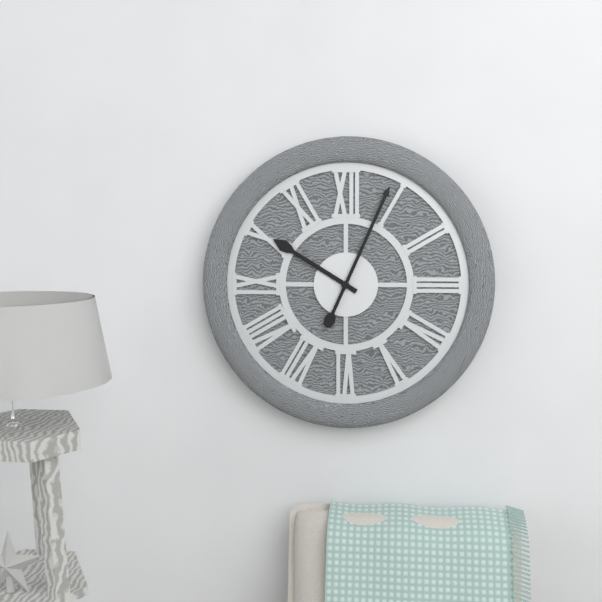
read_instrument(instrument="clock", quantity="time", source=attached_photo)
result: 10:04
